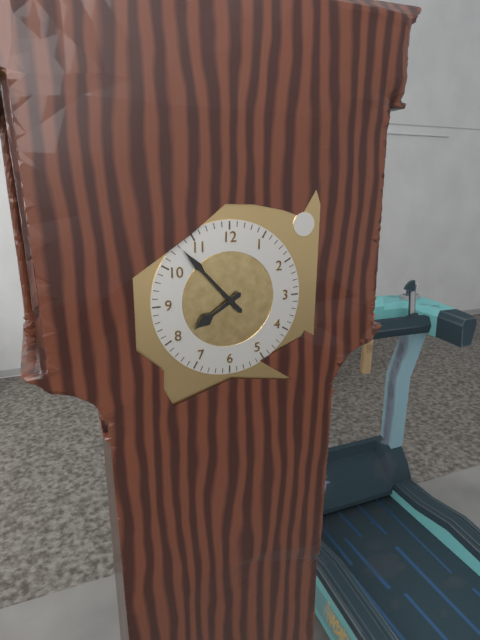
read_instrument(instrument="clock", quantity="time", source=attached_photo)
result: 7:53
